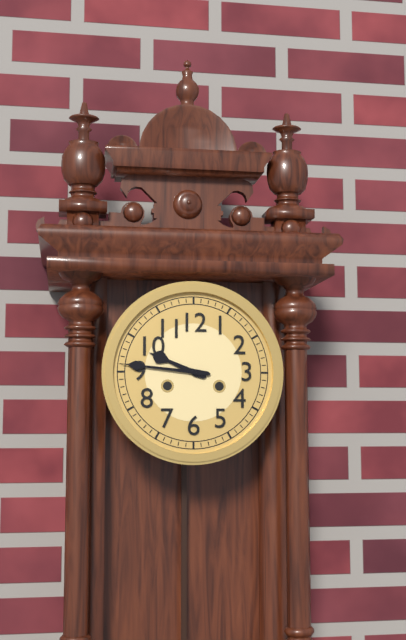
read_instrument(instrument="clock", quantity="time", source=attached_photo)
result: 9:46
